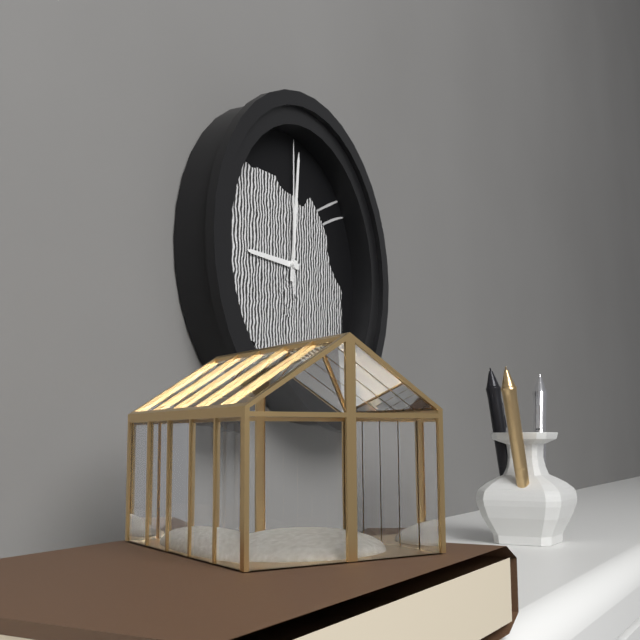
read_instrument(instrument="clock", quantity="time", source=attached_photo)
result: 9:01:00
